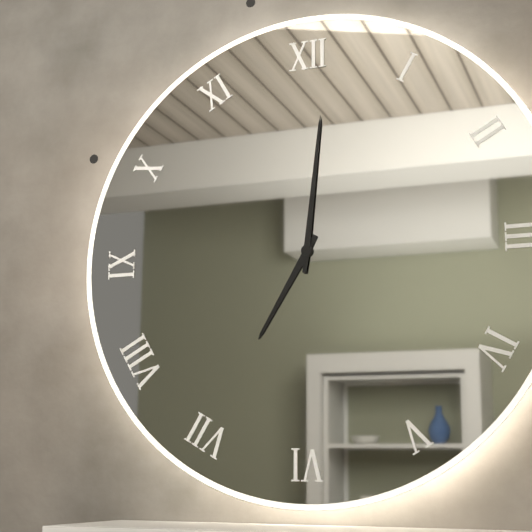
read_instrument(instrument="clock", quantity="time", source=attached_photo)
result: 7:01
